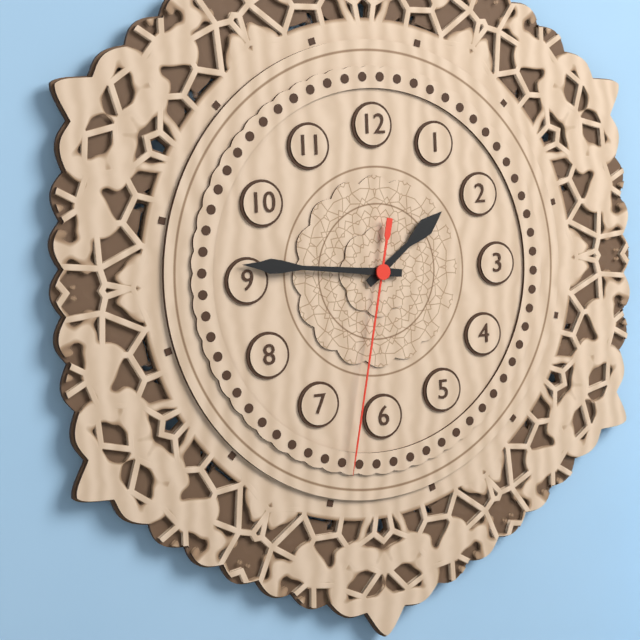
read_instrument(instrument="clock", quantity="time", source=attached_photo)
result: 1:46:32
